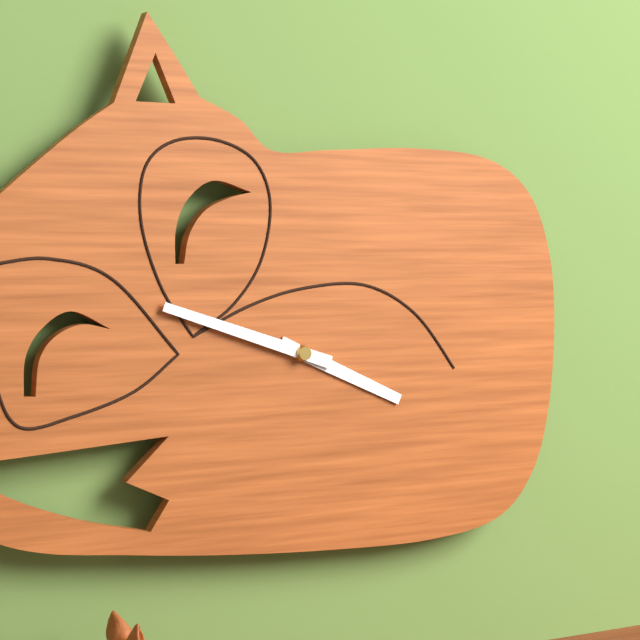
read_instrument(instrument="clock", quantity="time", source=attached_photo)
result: 3:48
